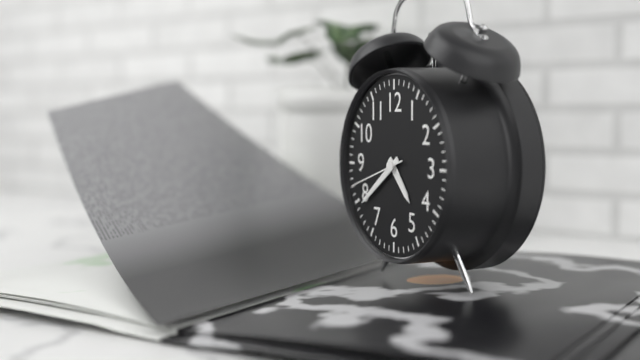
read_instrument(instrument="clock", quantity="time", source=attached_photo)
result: 4:39:42
